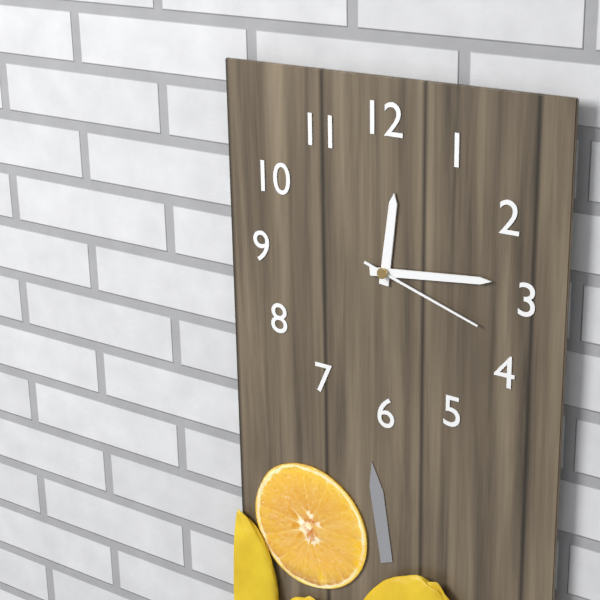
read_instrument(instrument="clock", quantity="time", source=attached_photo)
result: 12:14:18
